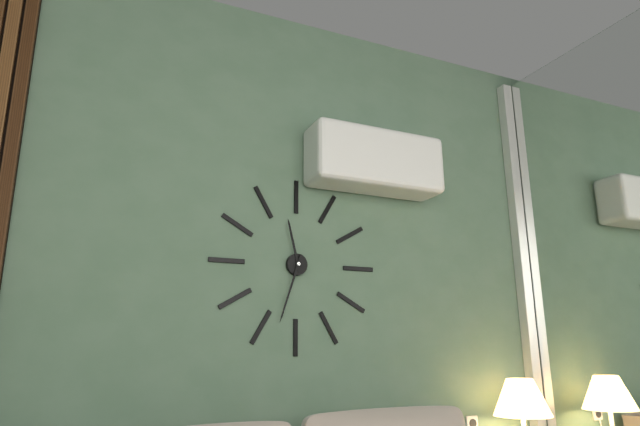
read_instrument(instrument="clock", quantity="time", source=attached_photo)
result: 11:33
